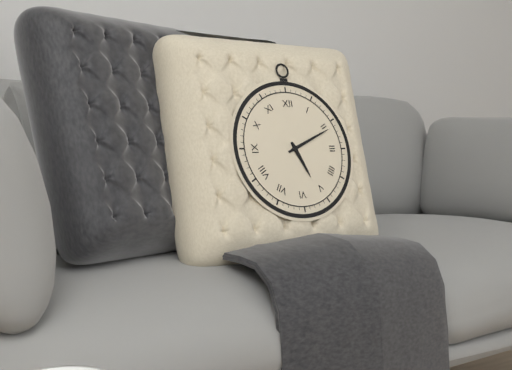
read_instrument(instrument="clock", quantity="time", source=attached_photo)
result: 5:11
